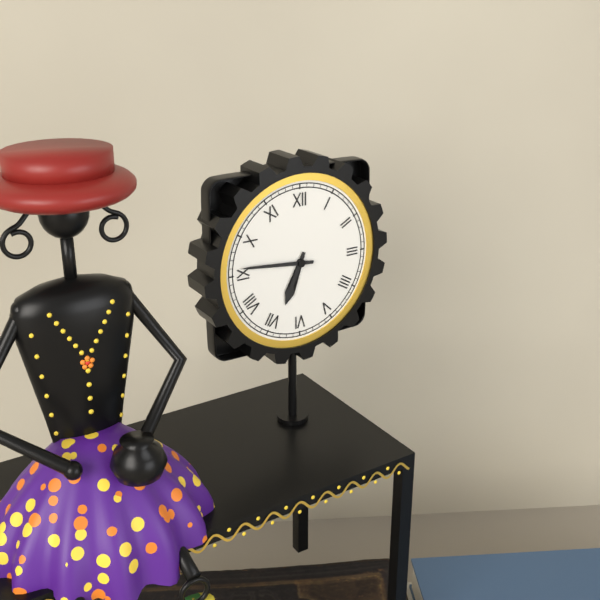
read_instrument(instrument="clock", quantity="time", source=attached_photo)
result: 6:46
